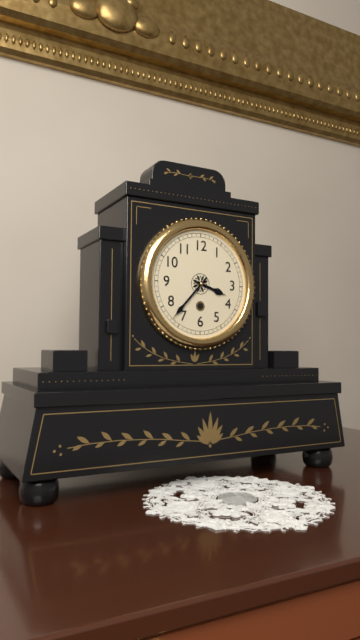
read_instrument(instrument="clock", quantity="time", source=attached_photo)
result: 3:37
